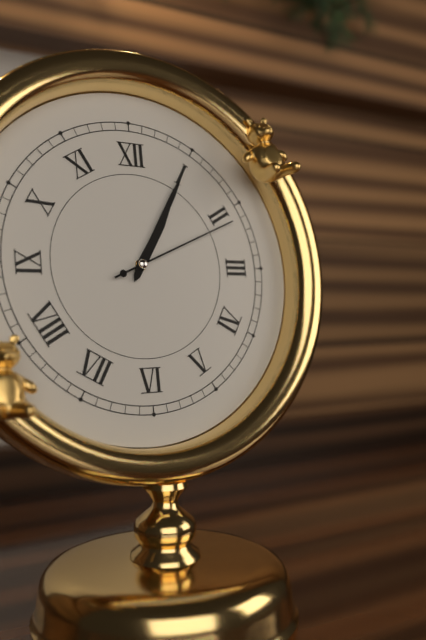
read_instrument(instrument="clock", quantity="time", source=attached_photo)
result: 1:05:11
